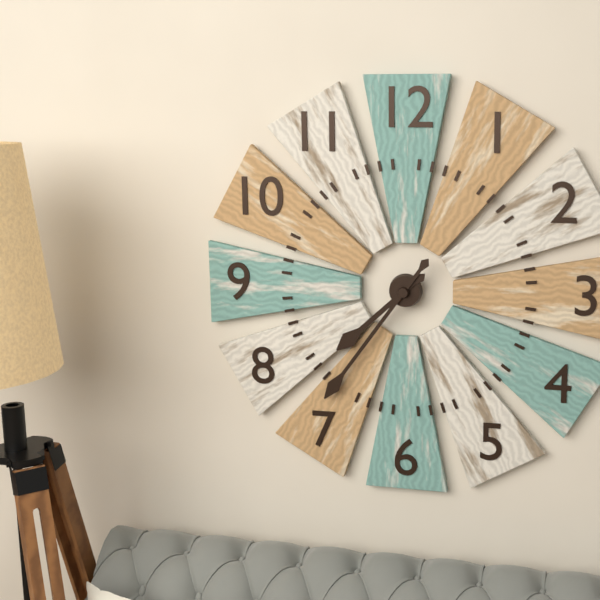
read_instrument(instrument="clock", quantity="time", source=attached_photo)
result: 7:36
